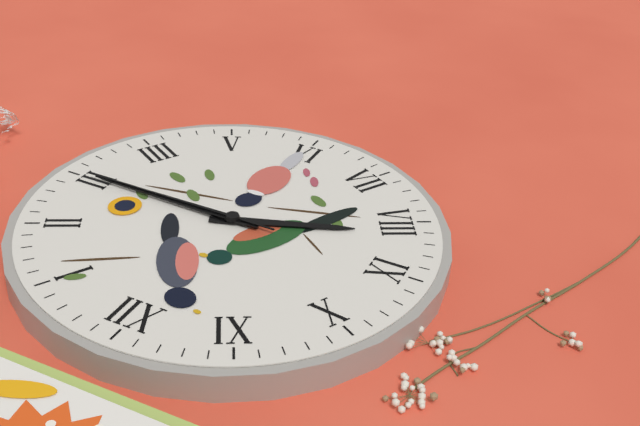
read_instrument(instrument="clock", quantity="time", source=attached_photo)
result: 8:15:15
